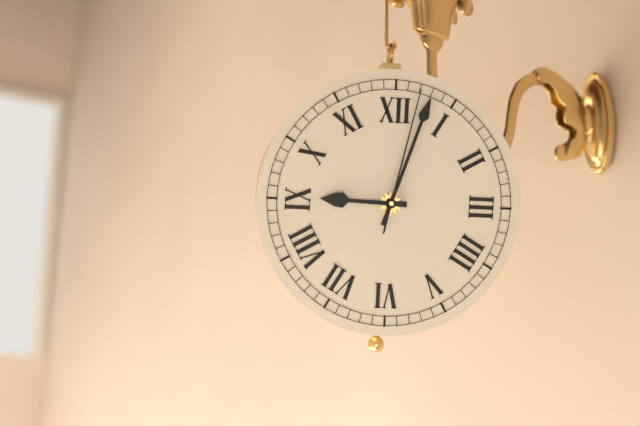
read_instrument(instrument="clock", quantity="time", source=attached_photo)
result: 9:03:02
